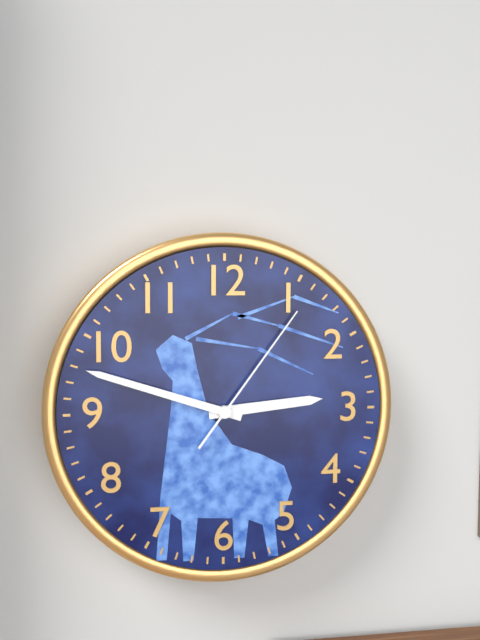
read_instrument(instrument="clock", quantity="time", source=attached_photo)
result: 2:48:06
